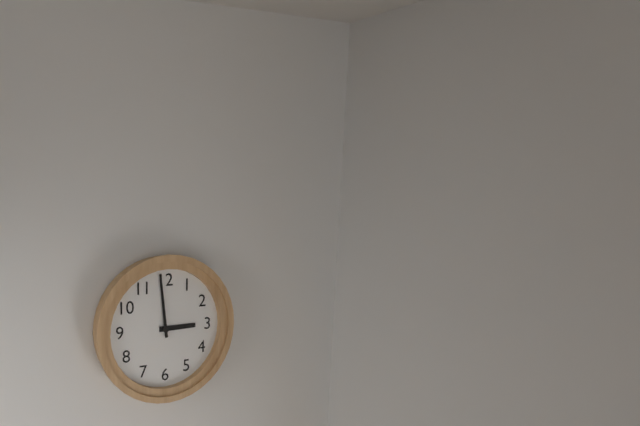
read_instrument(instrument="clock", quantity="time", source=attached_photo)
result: 2:59
